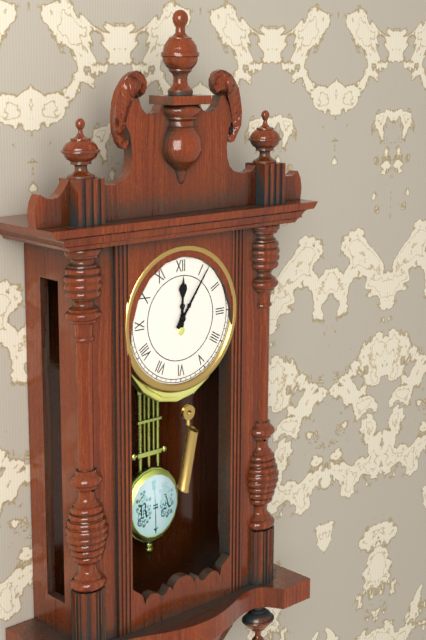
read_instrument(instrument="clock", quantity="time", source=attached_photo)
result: 12:06
